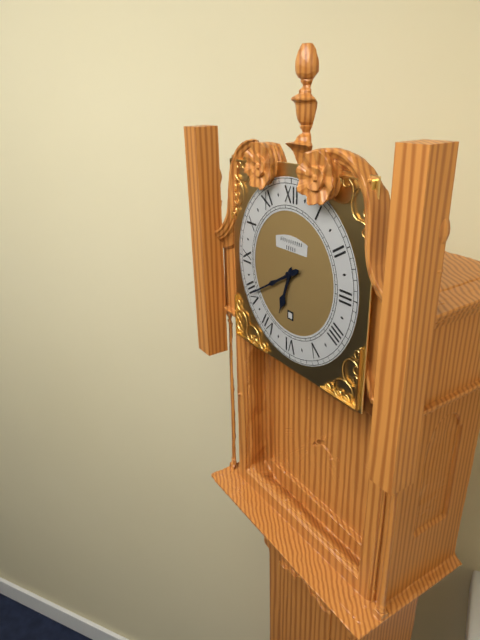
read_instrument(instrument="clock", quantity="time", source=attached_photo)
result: 6:40
